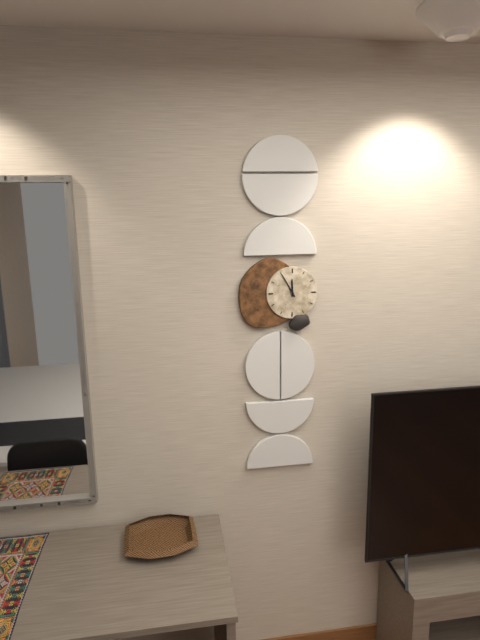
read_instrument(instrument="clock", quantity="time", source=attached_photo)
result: 11:55
